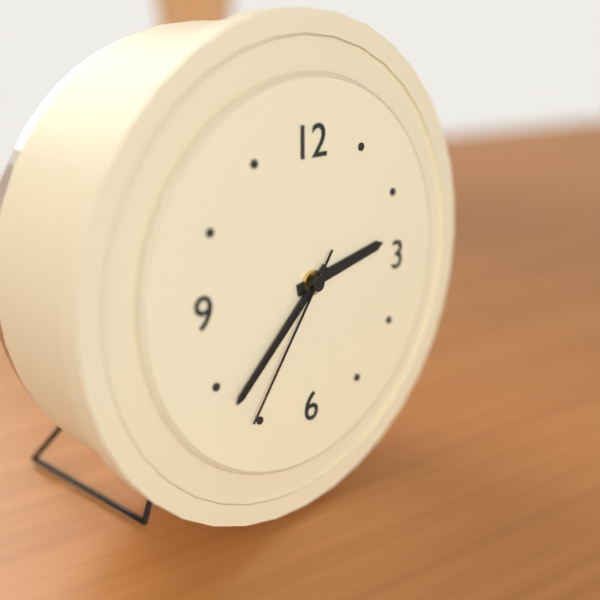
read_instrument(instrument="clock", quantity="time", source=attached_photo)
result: 2:38:36
